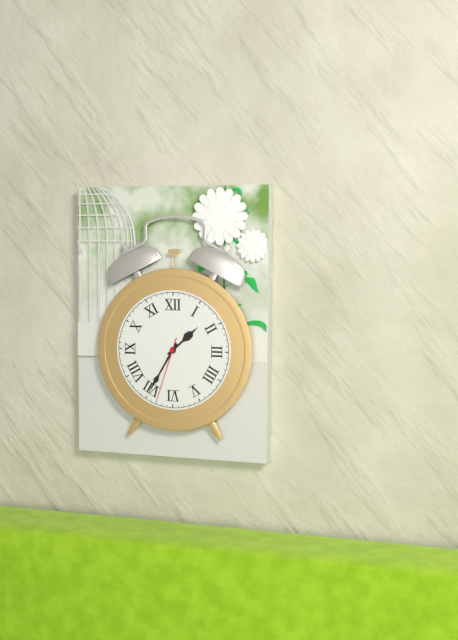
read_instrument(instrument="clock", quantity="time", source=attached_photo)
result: 1:35:33
